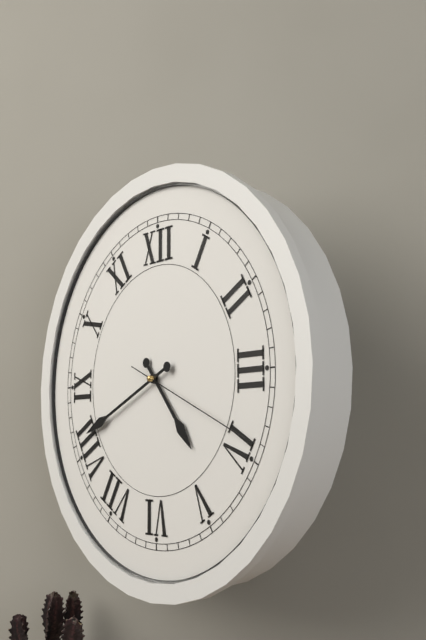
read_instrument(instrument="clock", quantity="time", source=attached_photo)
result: 4:41:19
